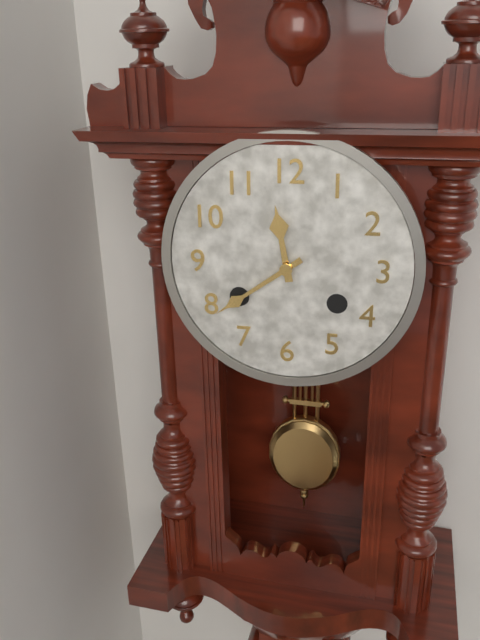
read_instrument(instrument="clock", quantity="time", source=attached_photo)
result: 11:39
